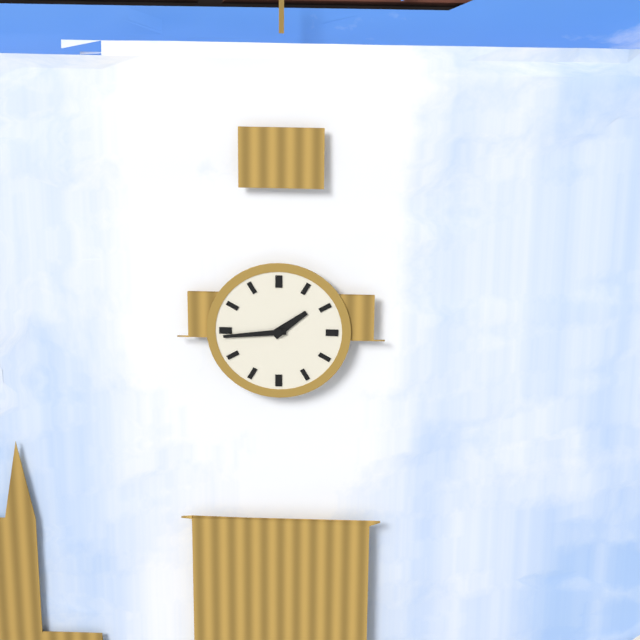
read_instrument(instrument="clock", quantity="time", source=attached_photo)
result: 1:44
